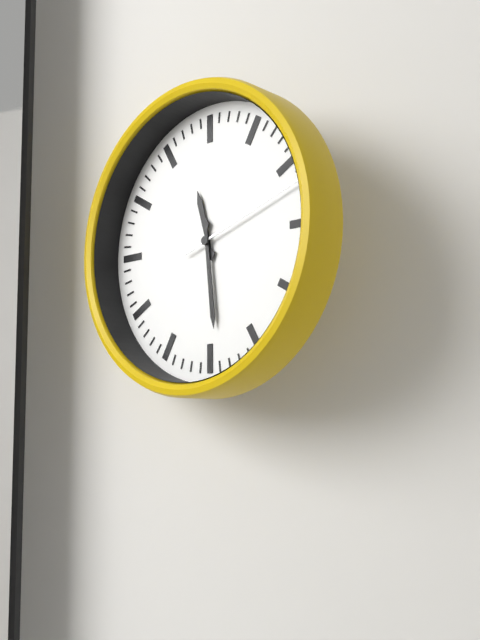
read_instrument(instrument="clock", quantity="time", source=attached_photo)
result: 11:29:12
